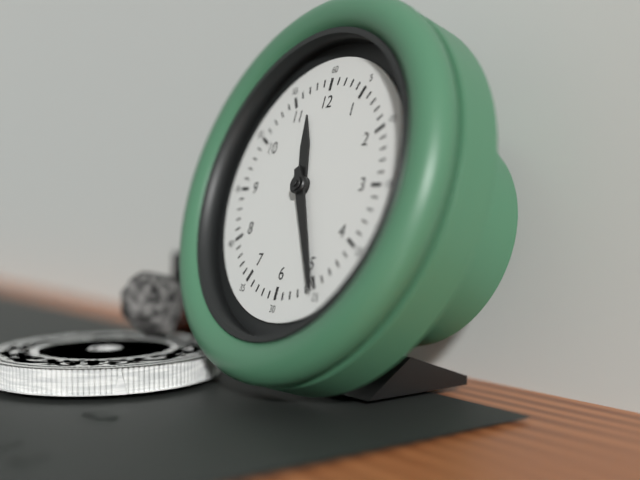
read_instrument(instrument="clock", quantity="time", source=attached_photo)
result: 11:25
